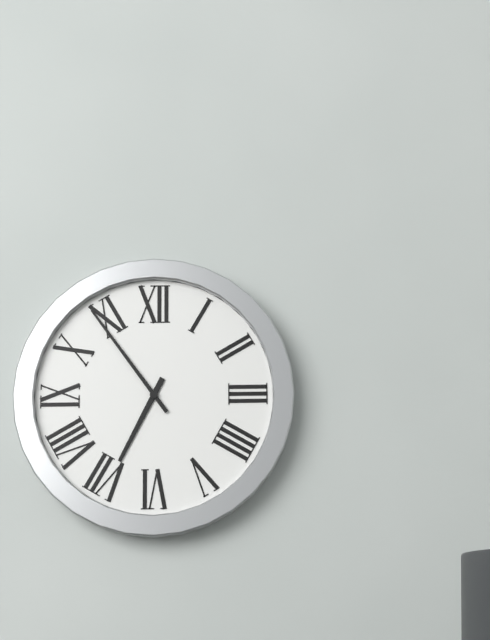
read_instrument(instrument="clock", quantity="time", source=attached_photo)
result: 6:54
